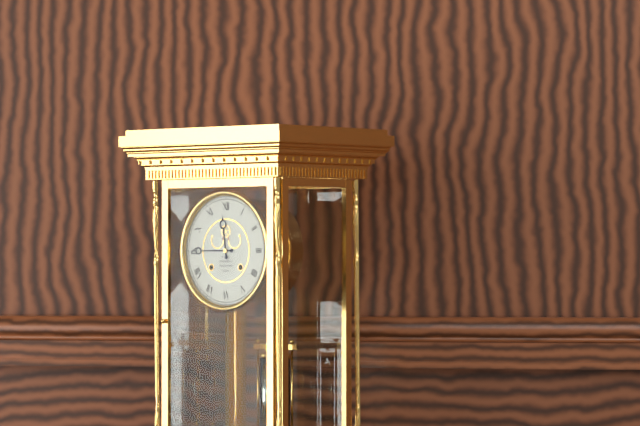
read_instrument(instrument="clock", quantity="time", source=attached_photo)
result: 11:45
